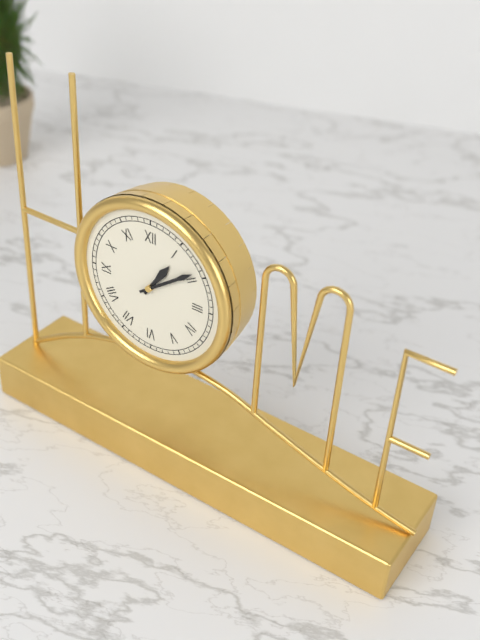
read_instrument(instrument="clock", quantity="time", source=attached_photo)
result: 1:09
